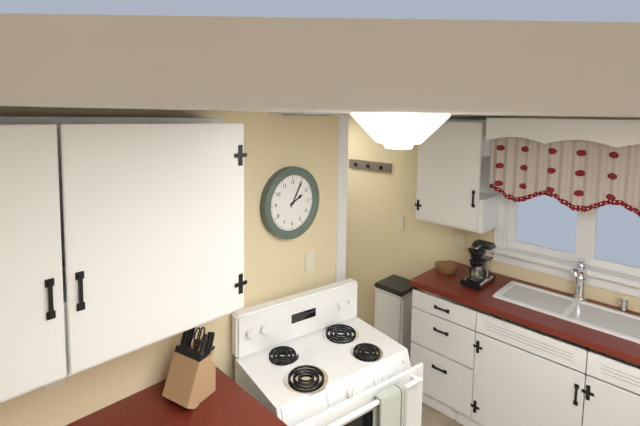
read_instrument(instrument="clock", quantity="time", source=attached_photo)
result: 2:05
